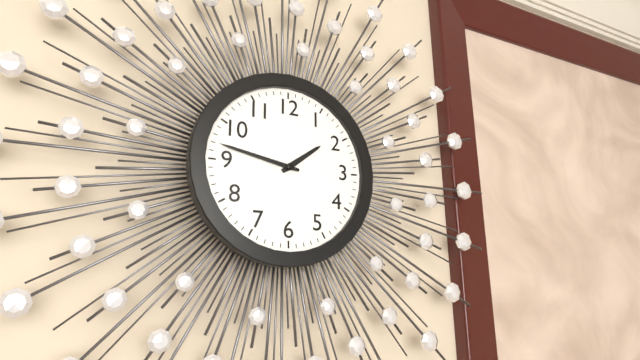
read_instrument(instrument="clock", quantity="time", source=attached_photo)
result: 1:47
